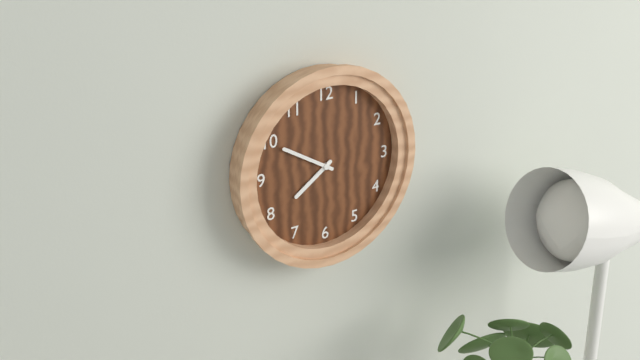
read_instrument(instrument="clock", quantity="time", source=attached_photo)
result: 7:50
